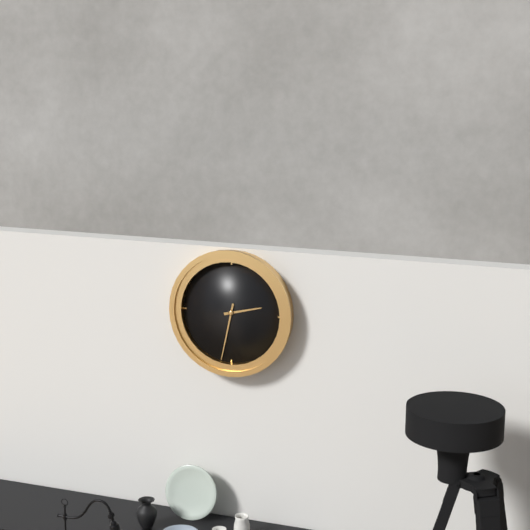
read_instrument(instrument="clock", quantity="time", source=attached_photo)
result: 2:32
